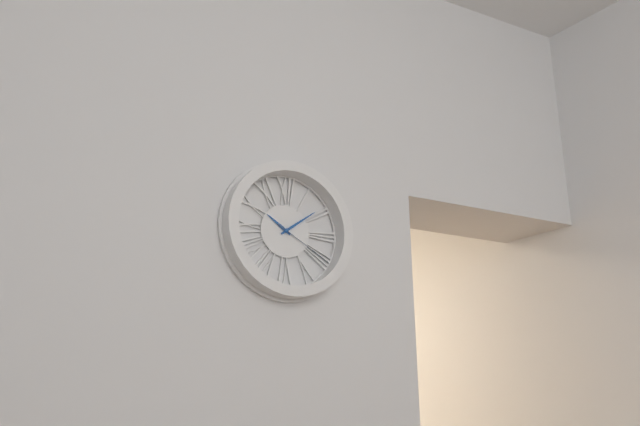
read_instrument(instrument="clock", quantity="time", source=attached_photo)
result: 10:09:20
